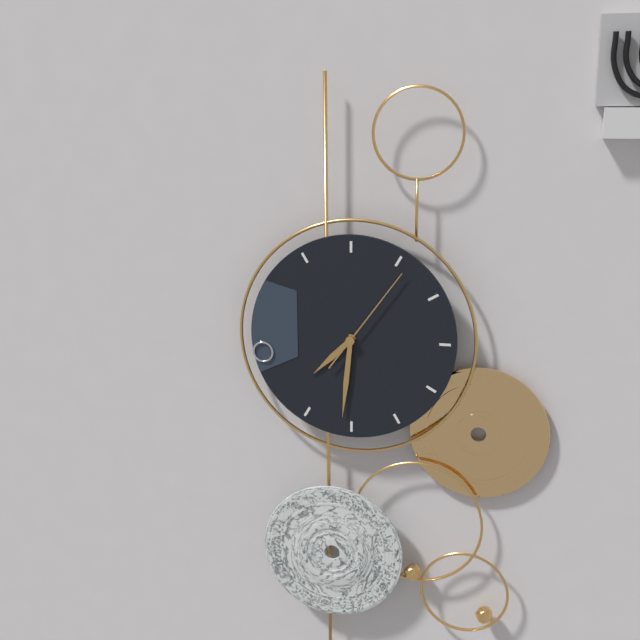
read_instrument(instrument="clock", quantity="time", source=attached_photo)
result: 7:31:06
